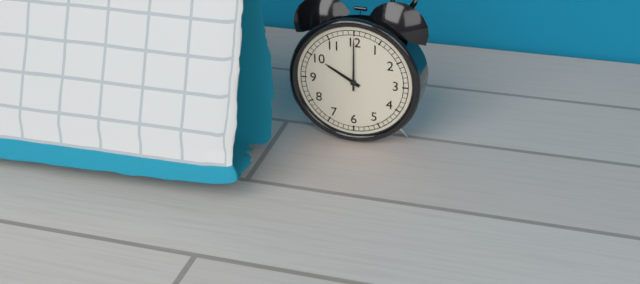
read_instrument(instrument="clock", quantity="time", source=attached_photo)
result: 10:00
